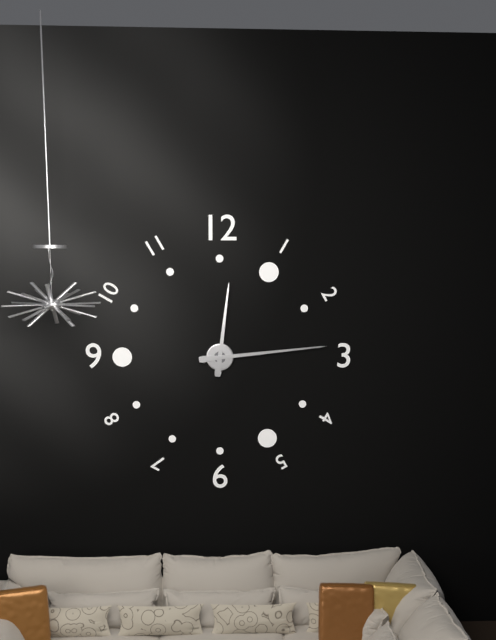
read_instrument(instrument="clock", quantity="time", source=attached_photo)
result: 12:14
